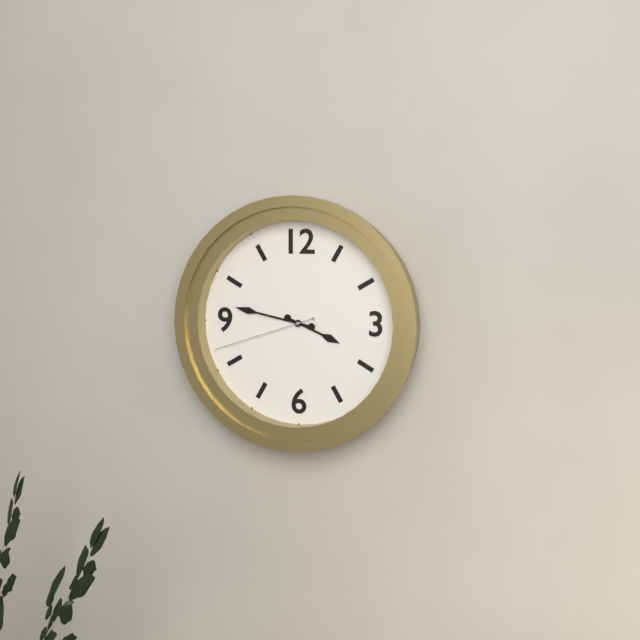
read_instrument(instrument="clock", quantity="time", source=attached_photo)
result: 3:47:42
